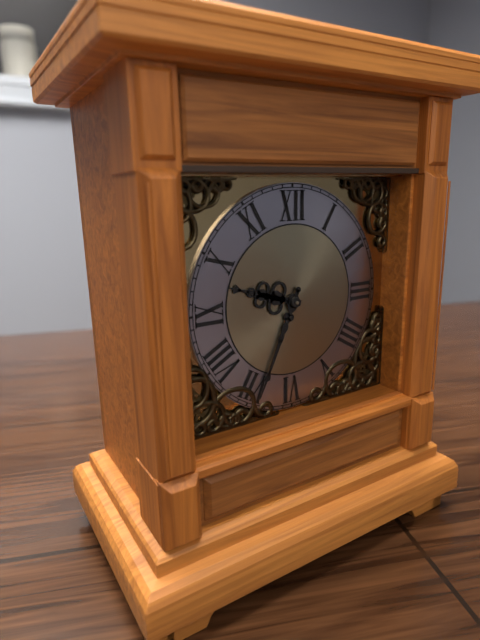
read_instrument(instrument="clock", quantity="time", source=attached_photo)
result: 9:34
